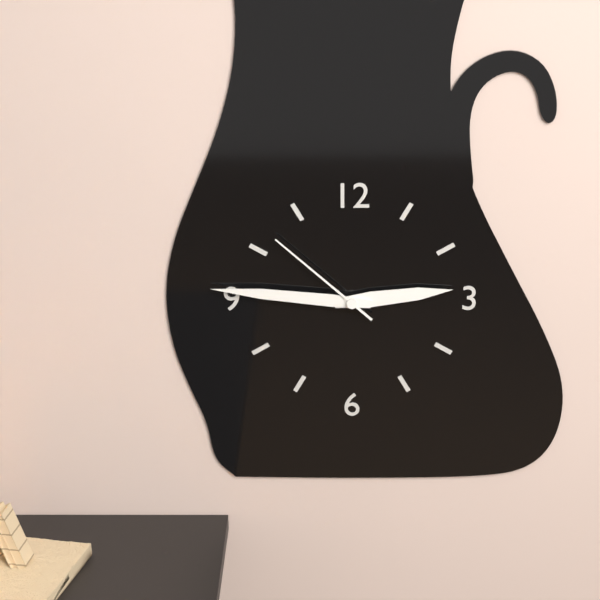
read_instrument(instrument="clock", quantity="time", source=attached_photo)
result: 2:46:52
